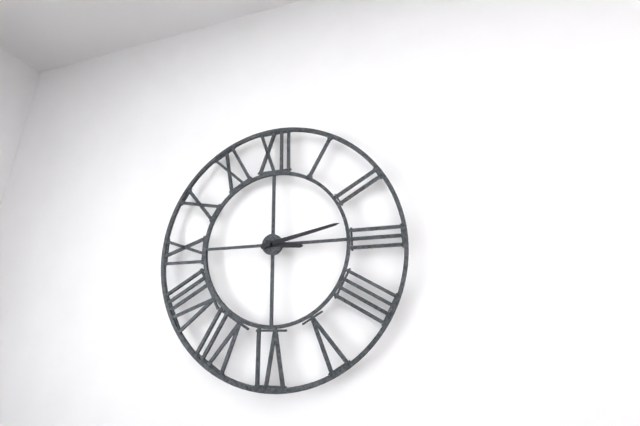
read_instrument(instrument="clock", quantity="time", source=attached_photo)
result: 3:13
